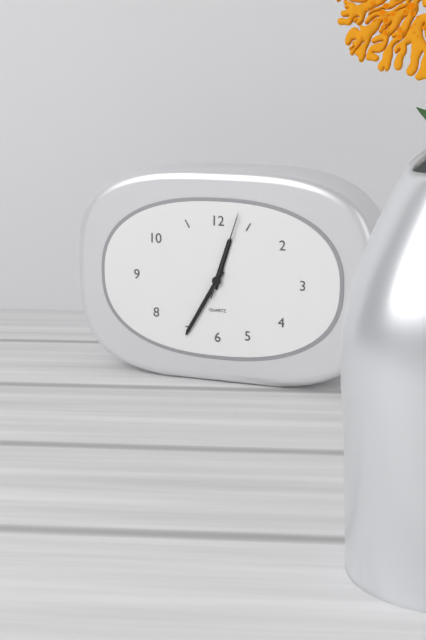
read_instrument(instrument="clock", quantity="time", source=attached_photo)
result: 12:35:03
